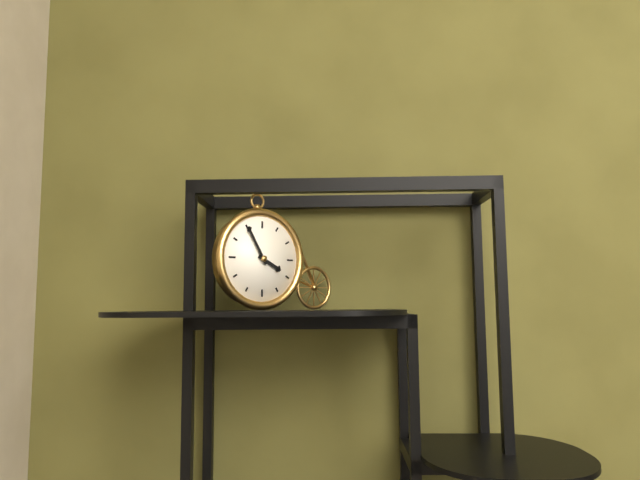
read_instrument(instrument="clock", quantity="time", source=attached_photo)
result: 3:55
